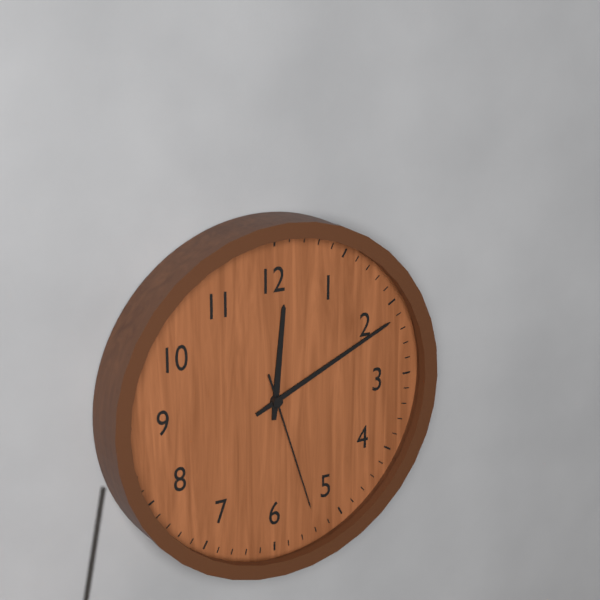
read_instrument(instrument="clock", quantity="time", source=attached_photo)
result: 12:11:27
